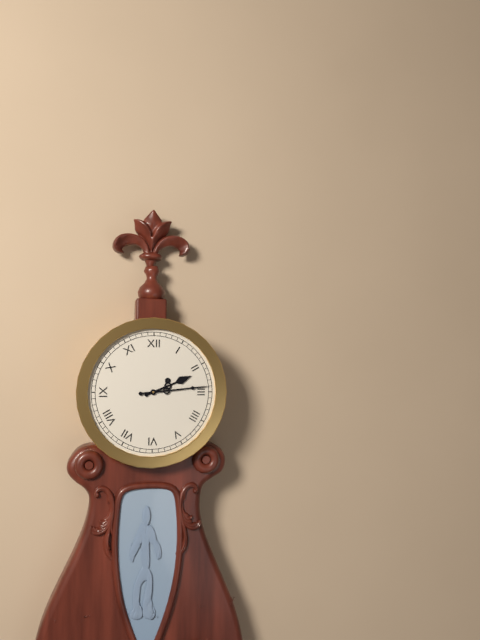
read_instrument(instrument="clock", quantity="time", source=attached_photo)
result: 2:14
